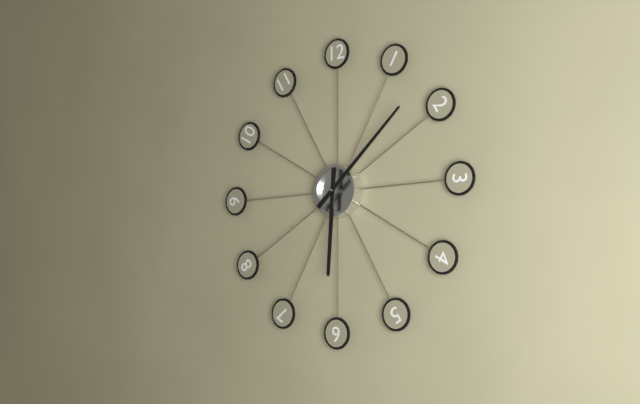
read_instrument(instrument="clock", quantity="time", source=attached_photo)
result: 6:08
